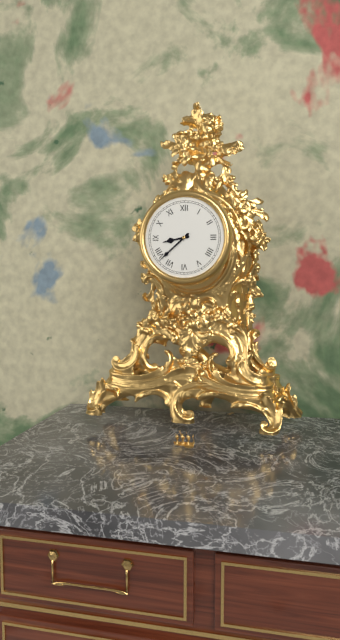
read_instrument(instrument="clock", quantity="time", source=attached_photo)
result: 8:38
